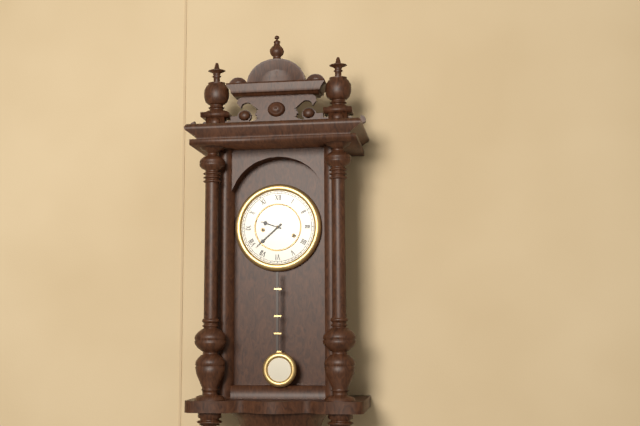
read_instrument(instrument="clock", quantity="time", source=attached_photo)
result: 9:38
